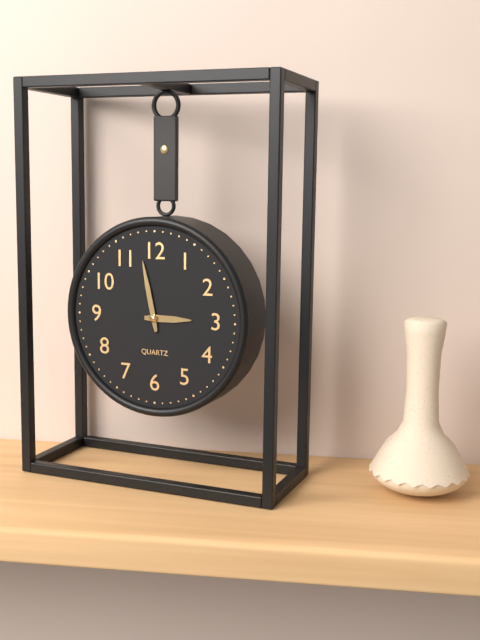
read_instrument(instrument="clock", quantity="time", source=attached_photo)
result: 2:58
